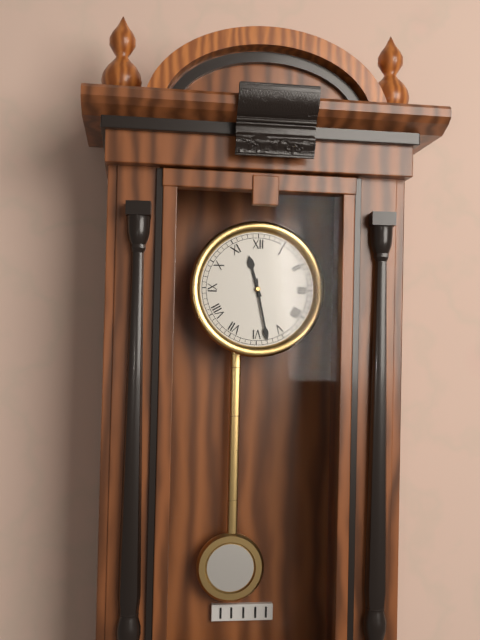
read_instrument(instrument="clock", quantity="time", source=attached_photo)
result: 11:28
